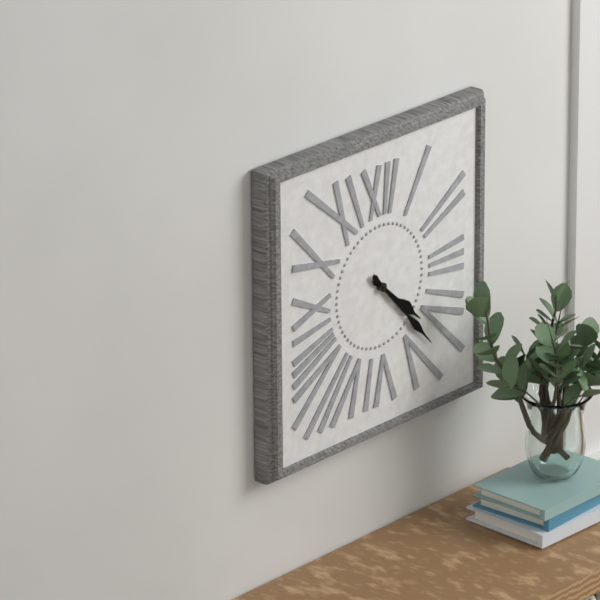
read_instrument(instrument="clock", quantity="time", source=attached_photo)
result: 4:23
